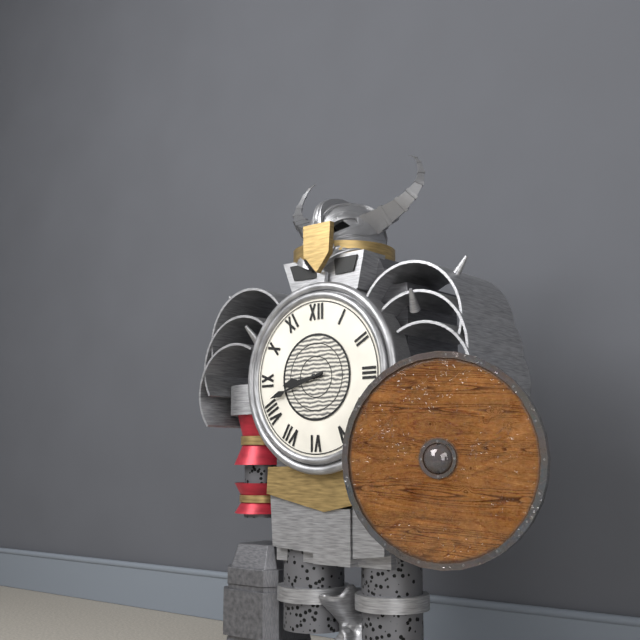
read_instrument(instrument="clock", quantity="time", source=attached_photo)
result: 8:42
